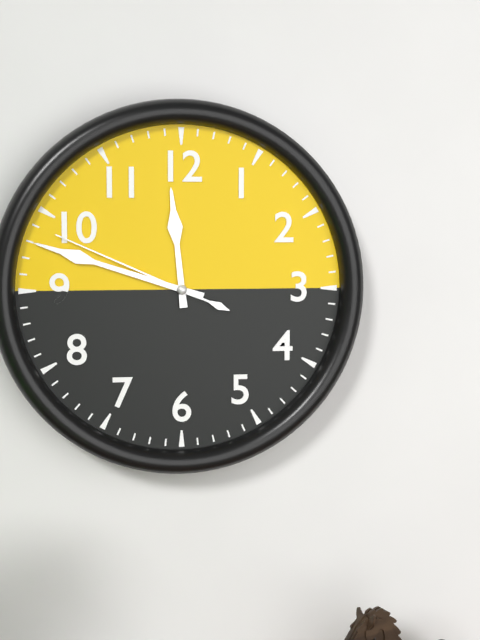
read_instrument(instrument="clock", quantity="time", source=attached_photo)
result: 11:48:49
